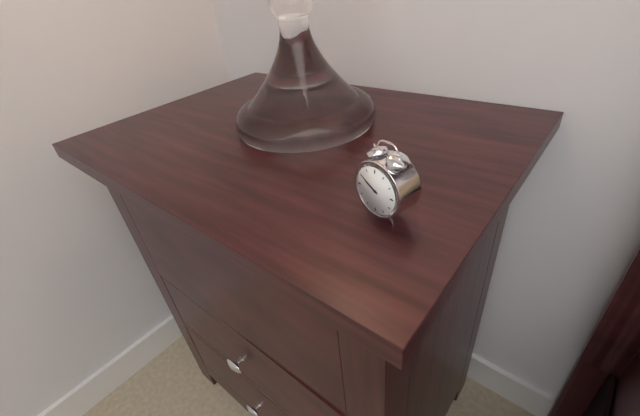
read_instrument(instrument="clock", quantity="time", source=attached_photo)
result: 9:50
